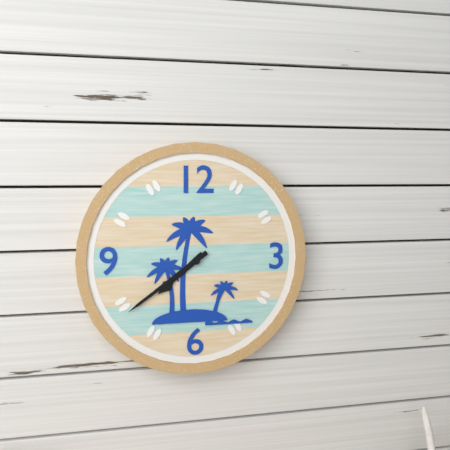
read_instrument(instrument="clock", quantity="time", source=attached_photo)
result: 7:39
